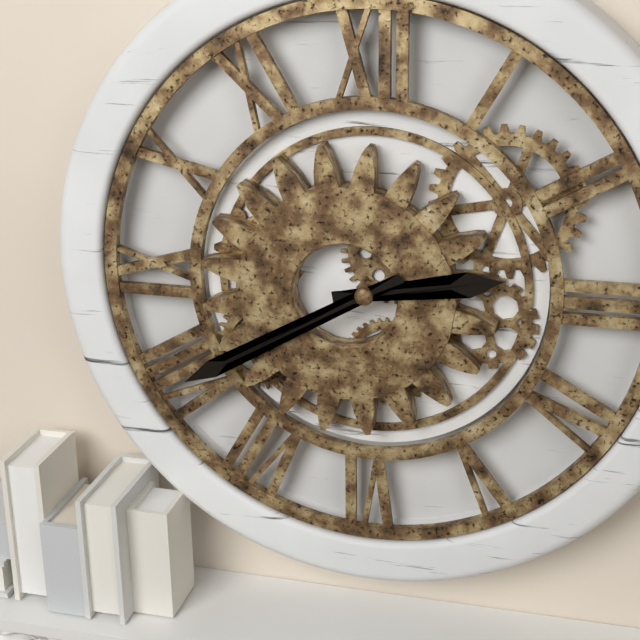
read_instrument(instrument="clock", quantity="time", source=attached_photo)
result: 2:40
